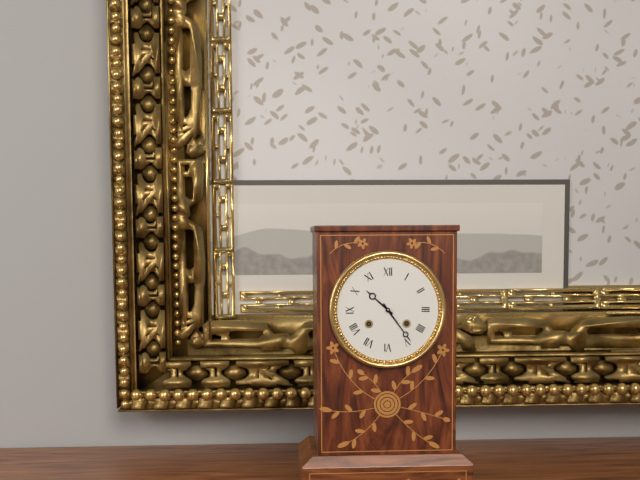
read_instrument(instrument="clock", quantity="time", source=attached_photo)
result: 10:24
